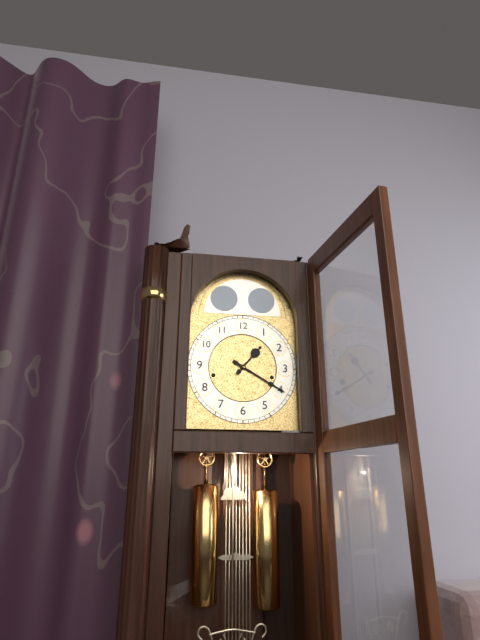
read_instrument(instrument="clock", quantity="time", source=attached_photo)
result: 1:20
